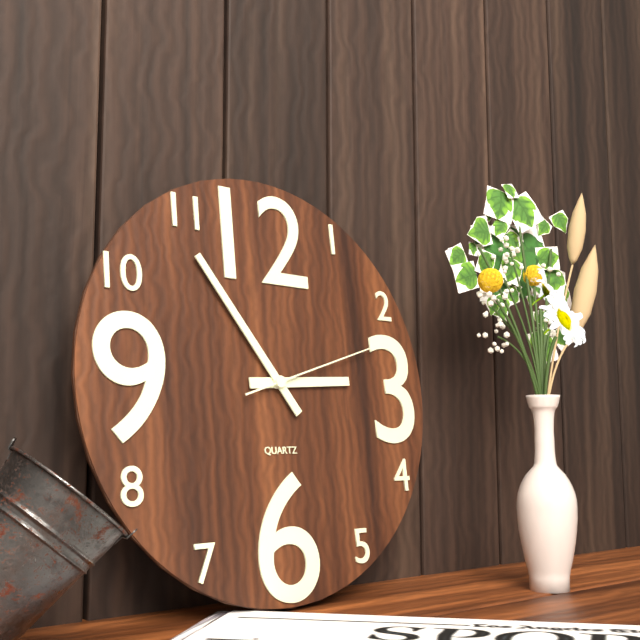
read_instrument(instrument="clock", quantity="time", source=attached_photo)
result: 2:54:12
